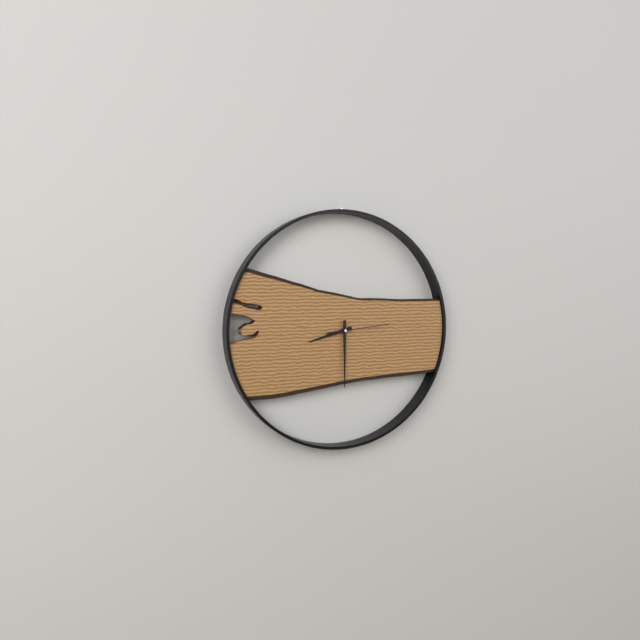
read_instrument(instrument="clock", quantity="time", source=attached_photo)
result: 8:30:14
